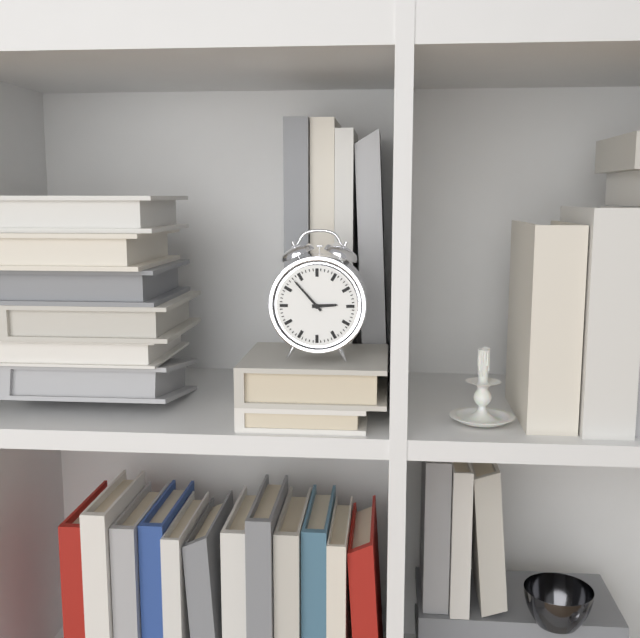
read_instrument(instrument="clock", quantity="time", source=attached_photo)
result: 2:53
